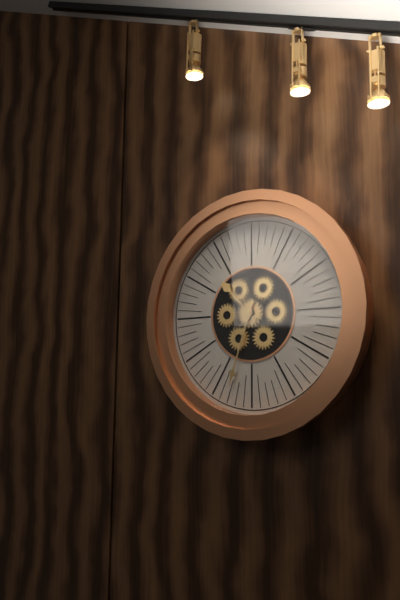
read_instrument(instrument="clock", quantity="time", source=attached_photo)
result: 10:33
